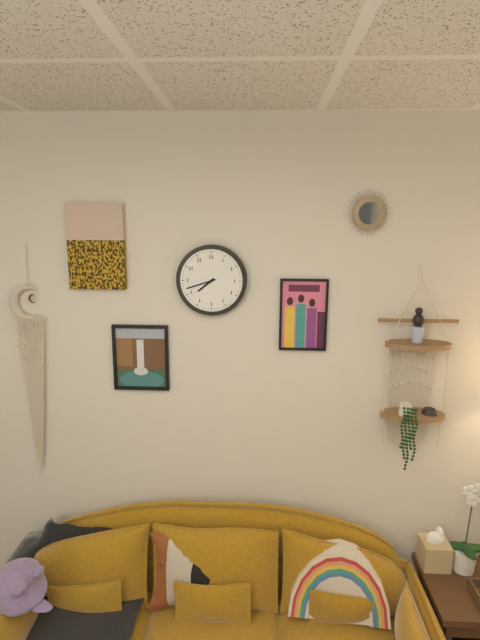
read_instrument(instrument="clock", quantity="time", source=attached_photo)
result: 7:42
